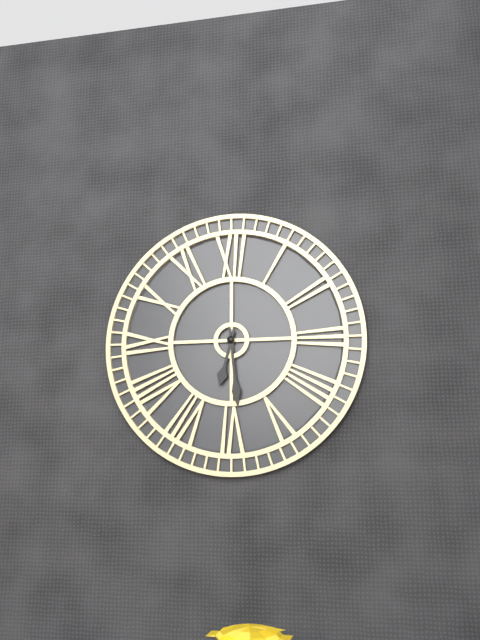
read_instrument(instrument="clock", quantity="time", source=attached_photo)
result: 6:29
